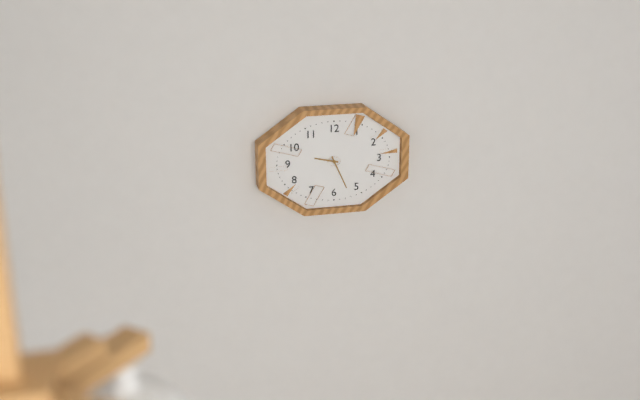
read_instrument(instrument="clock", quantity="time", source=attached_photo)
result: 9:26
